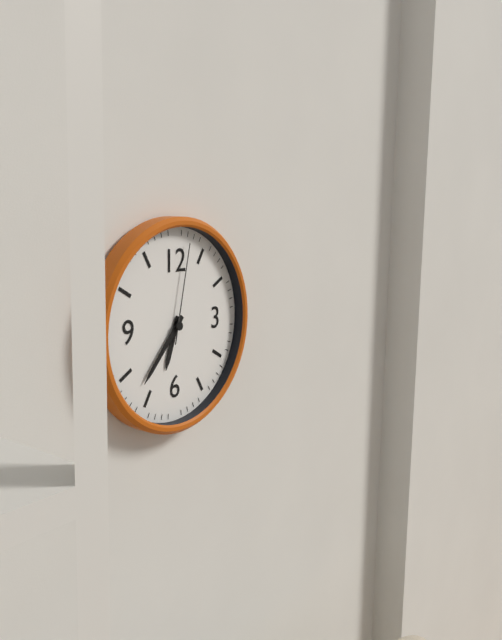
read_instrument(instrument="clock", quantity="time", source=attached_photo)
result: 6:37:02
